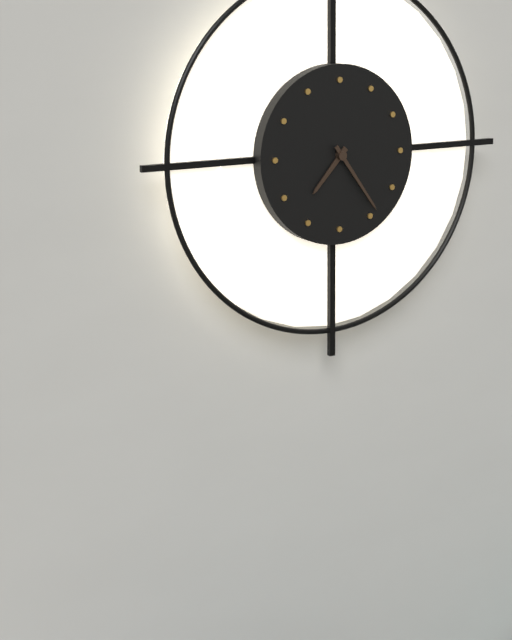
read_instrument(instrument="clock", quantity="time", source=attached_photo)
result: 7:24
